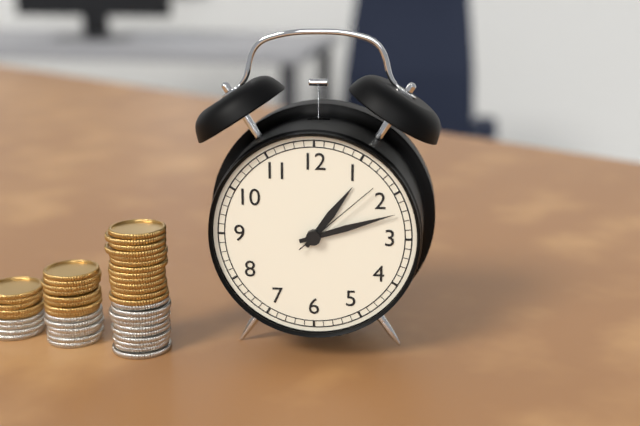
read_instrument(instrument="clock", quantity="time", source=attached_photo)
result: 1:12:08
